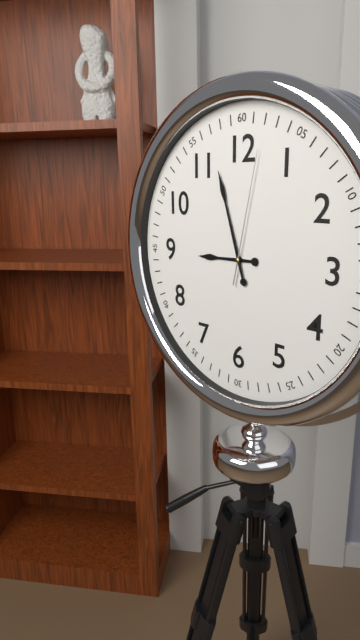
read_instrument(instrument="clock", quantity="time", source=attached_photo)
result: 8:57:02
